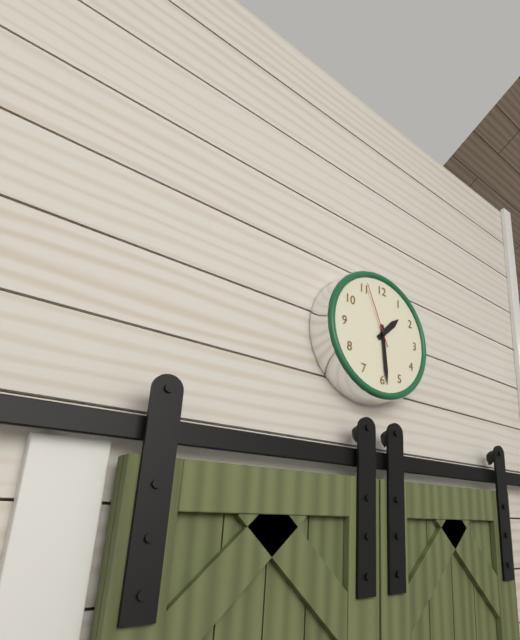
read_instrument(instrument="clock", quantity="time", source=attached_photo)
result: 1:29:56
